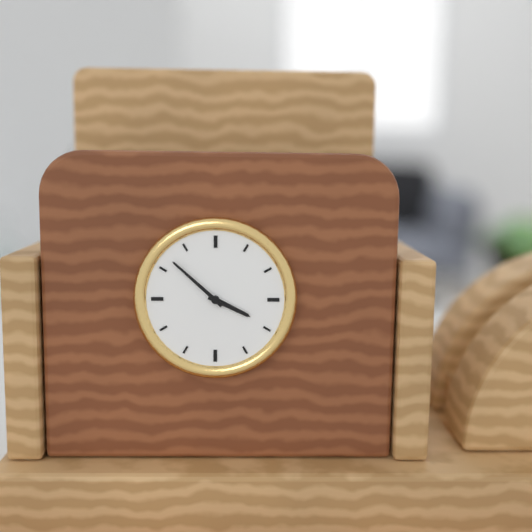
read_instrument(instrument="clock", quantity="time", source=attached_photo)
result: 3:52
